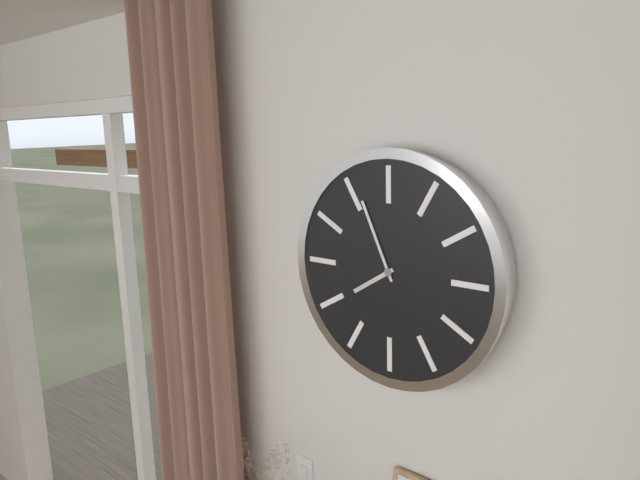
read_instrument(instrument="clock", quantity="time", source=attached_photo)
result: 7:56
